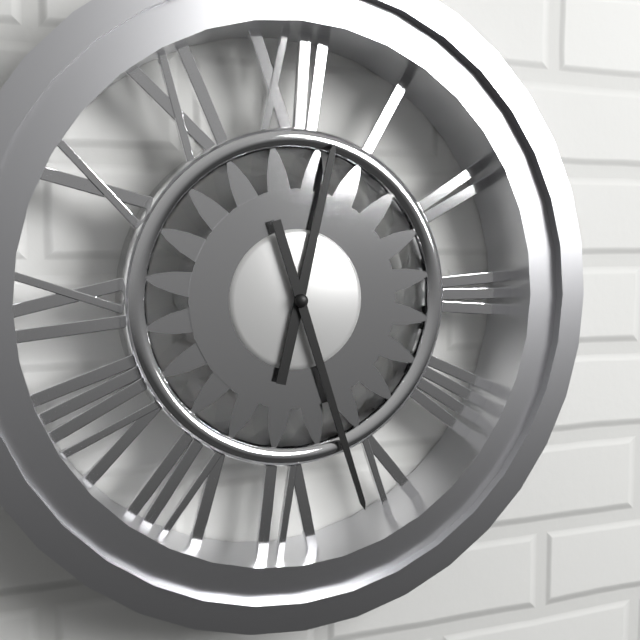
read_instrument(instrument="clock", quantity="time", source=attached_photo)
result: 12:27
